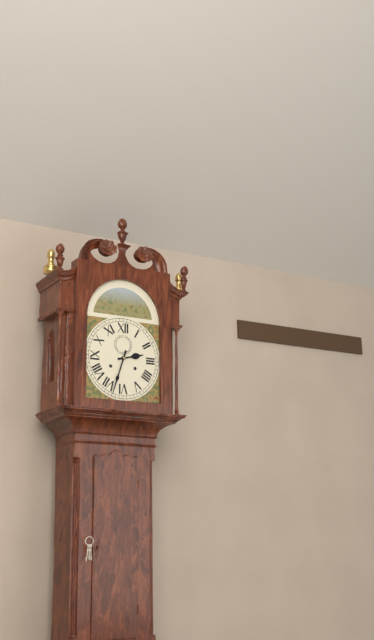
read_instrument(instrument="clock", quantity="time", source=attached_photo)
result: 2:33
